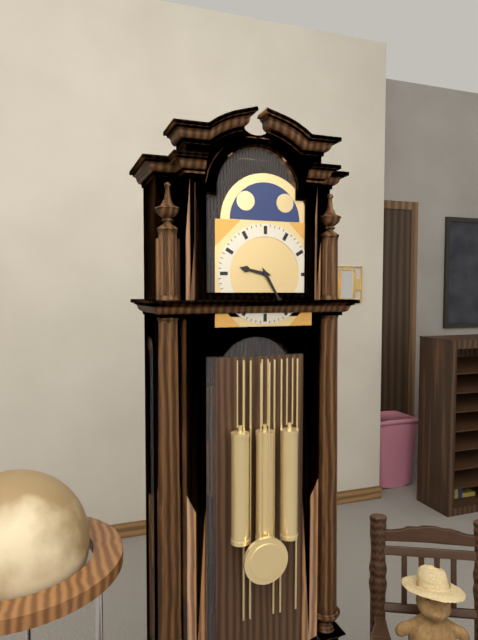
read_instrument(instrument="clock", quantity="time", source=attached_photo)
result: 9:25
